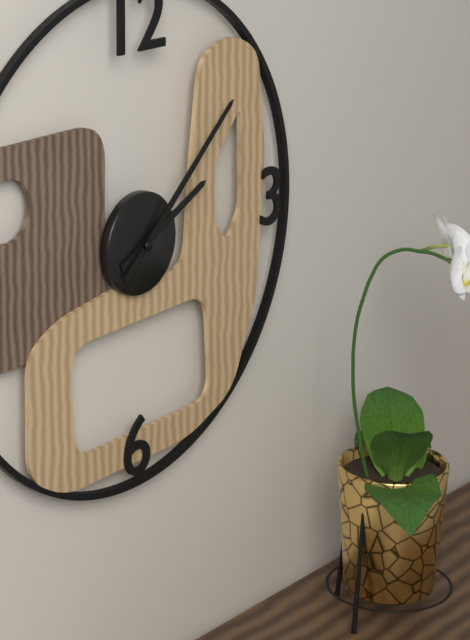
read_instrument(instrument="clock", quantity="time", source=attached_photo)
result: 2:08
